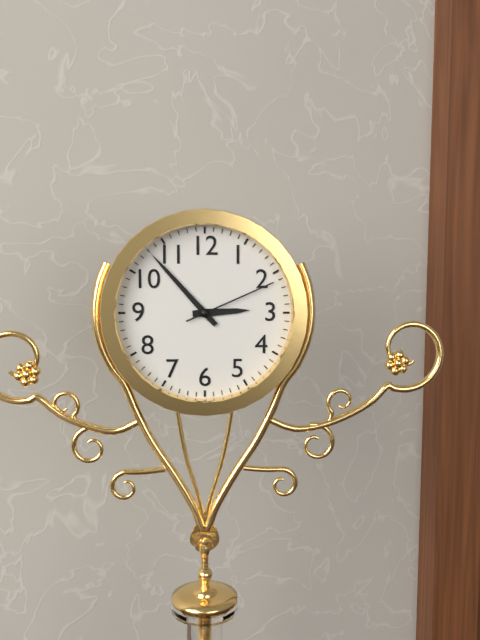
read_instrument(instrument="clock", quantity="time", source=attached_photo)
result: 2:53:11
